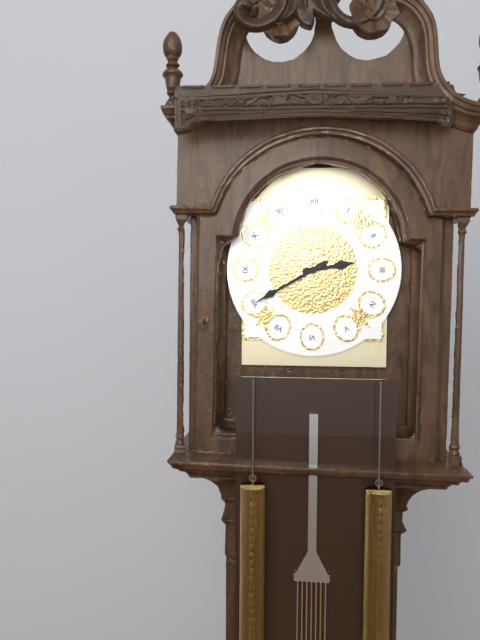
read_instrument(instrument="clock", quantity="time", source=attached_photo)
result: 2:40
